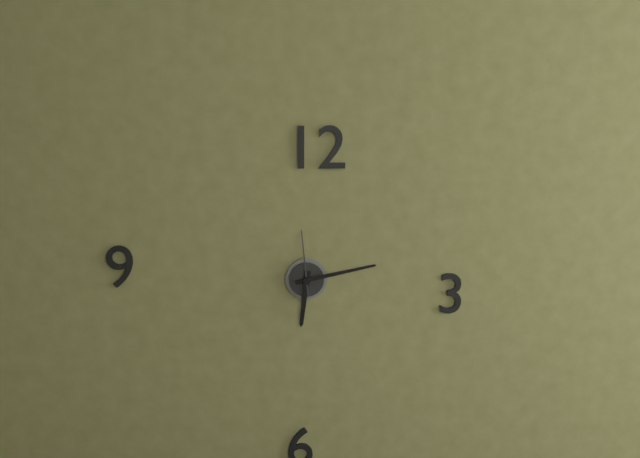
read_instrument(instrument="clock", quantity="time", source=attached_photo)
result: 6:13:59
